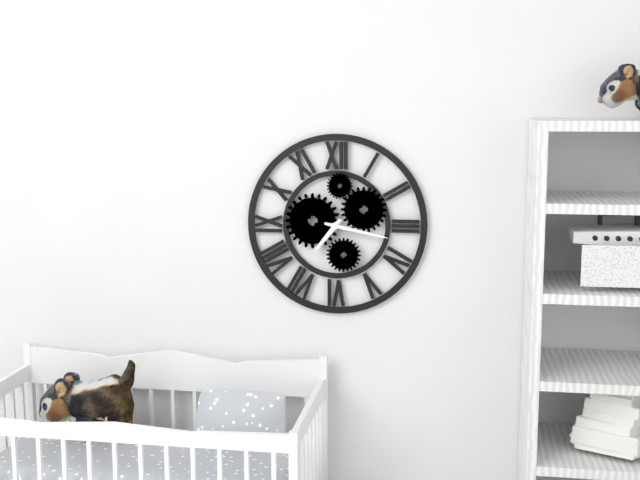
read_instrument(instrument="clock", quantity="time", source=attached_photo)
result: 7:17
